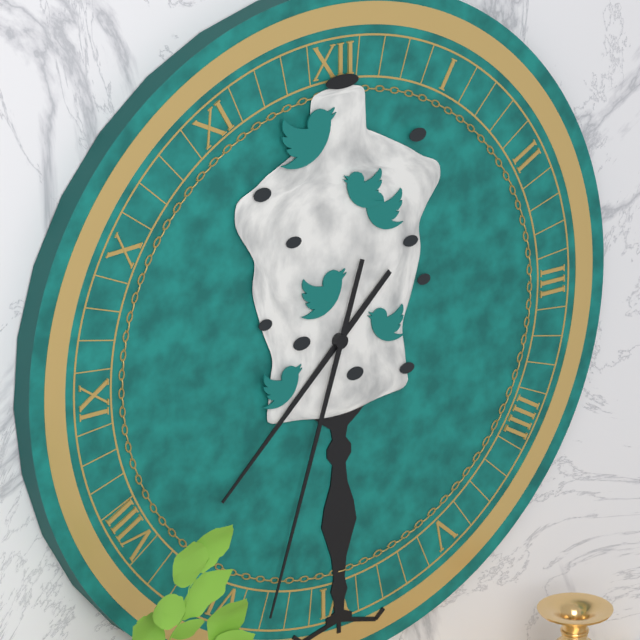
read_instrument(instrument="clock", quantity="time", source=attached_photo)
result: 7:33
